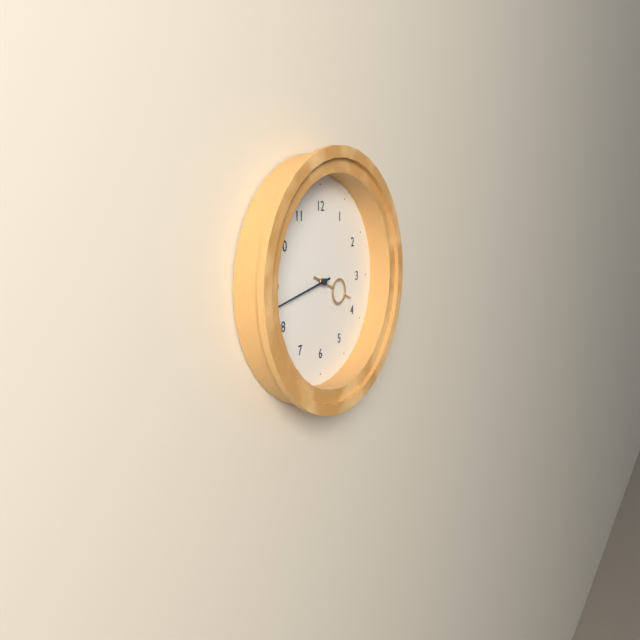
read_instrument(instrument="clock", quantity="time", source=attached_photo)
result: 3:43
